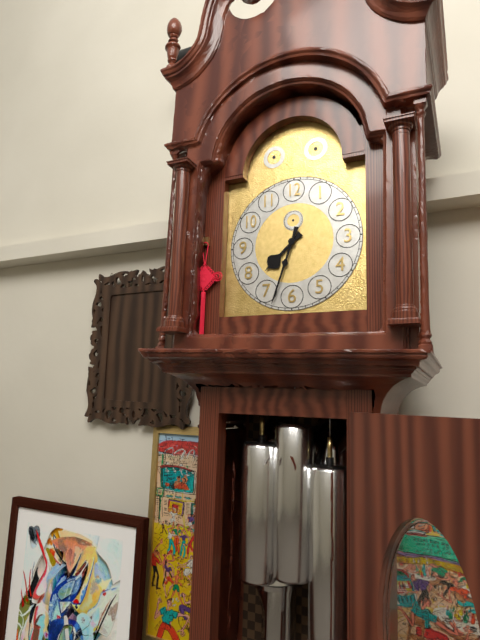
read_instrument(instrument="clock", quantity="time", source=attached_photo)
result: 7:33
